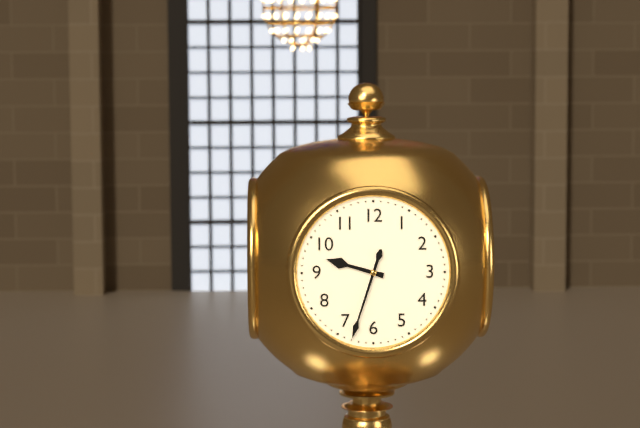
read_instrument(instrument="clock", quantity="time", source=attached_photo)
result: 9:33
